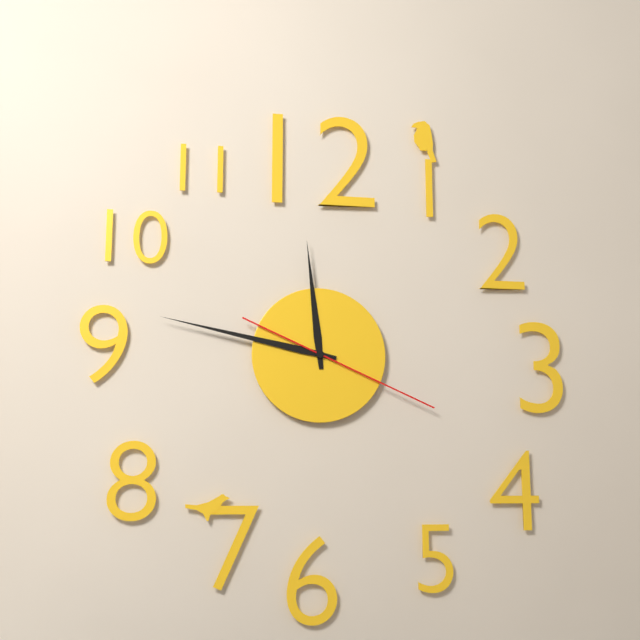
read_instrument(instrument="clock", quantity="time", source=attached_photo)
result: 11:47:19
